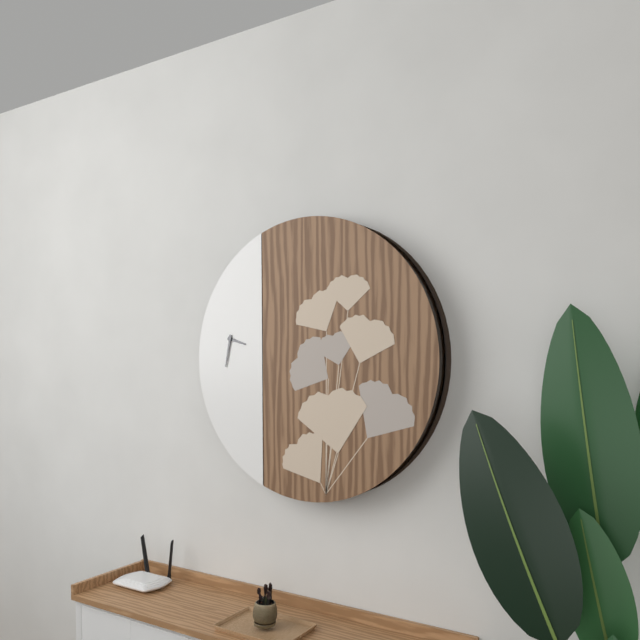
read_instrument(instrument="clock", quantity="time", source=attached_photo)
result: 3:32
